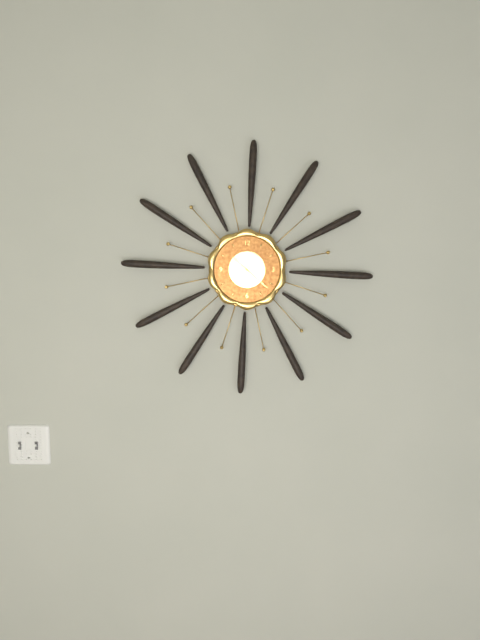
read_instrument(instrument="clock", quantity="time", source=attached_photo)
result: 10:22
